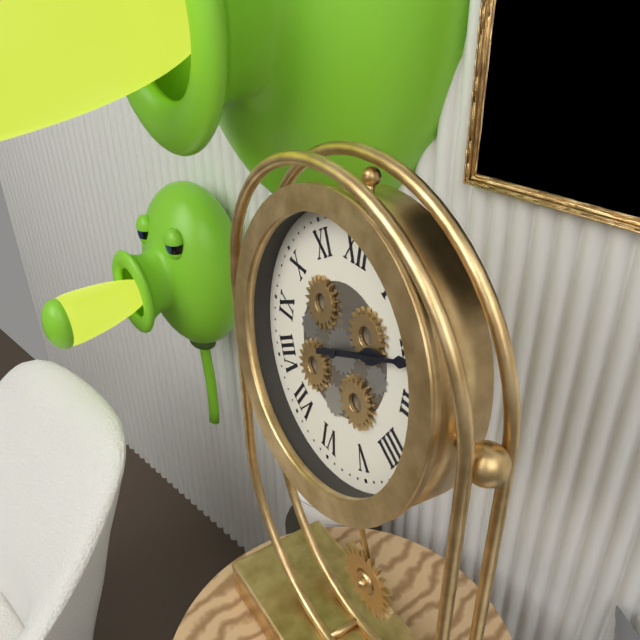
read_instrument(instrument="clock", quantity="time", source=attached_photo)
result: 2:11
